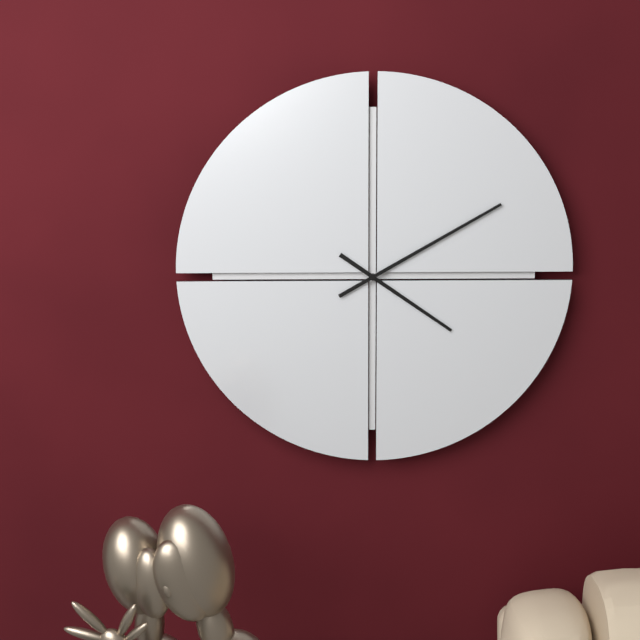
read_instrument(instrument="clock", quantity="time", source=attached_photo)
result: 4:10
